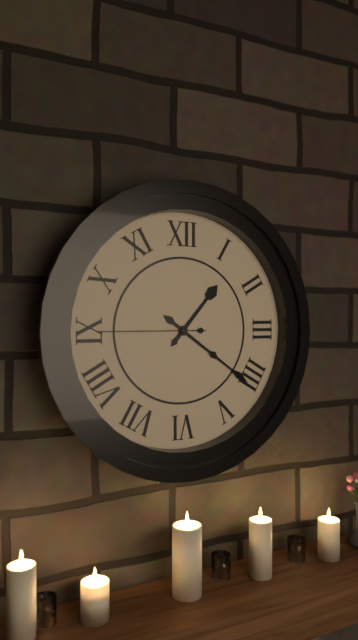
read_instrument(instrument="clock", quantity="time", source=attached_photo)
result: 1:21:45
